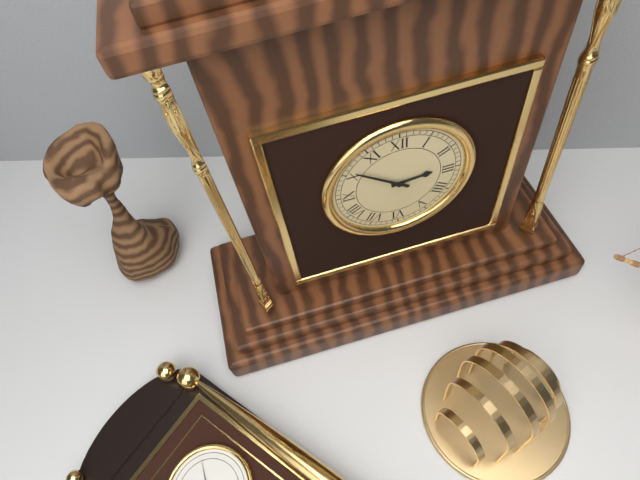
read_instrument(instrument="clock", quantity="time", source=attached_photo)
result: 2:51
